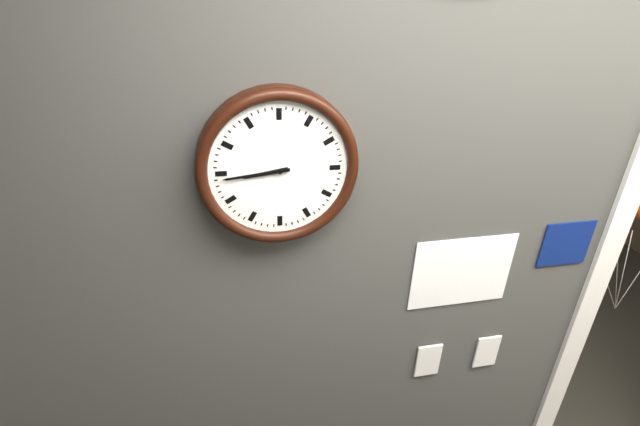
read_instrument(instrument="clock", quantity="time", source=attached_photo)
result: 8:44
